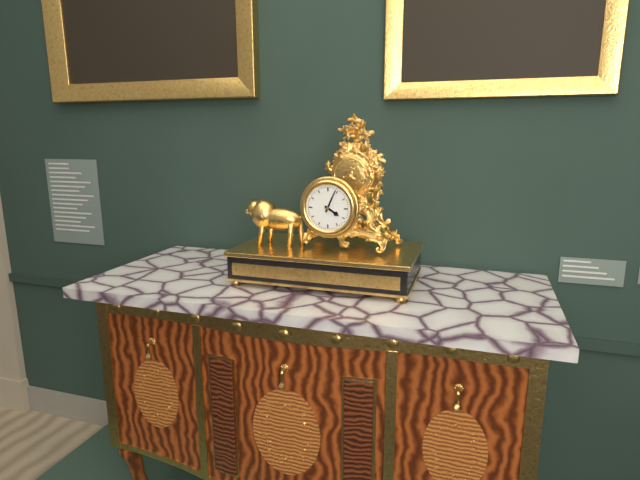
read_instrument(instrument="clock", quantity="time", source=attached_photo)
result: 4:04
